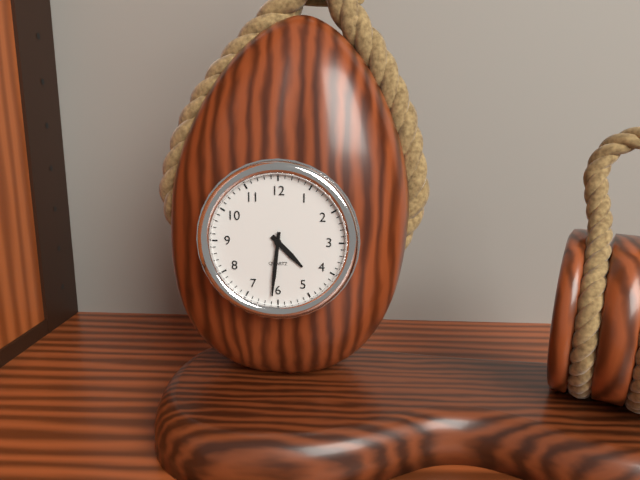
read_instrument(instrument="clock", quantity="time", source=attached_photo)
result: 4:31
